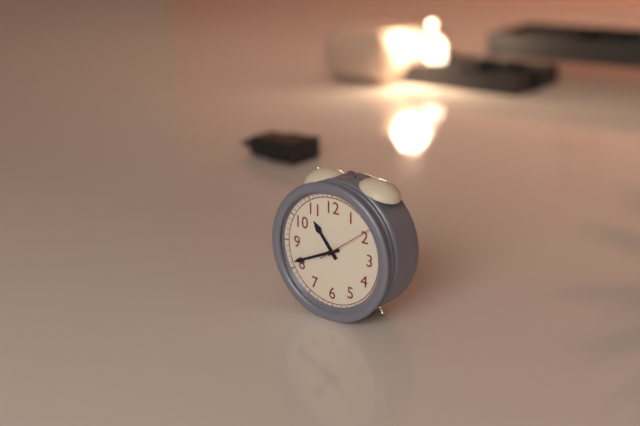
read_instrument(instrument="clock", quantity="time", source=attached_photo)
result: 10:41:09
